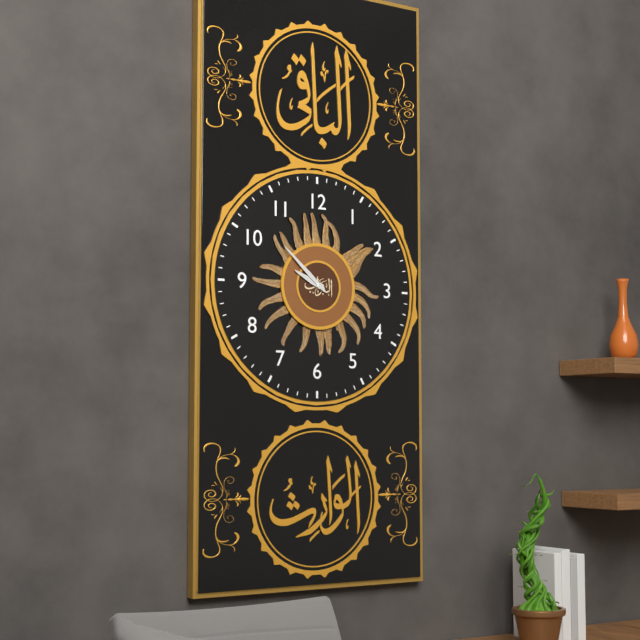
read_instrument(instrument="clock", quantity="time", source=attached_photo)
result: 9:52
